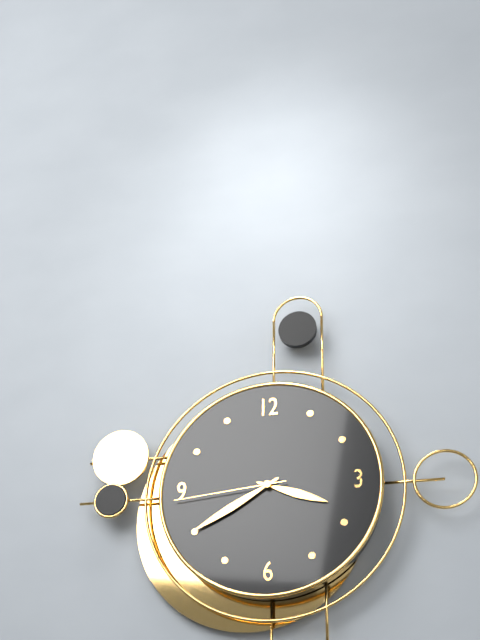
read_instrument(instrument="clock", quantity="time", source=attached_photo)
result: 3:40:44
